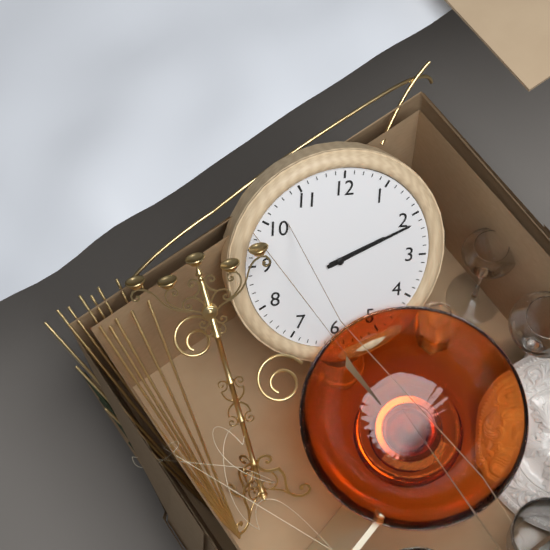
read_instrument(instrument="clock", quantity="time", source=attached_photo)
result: 2:11
